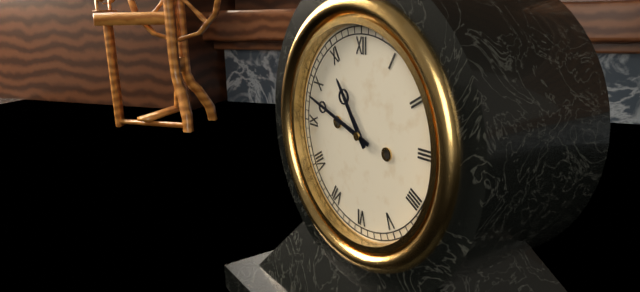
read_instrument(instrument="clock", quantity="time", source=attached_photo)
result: 10:48
